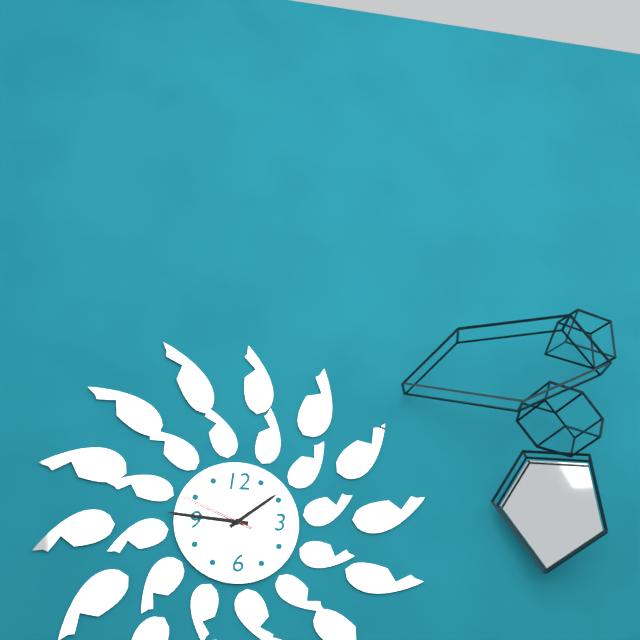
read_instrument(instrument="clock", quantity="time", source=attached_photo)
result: 1:46:49
